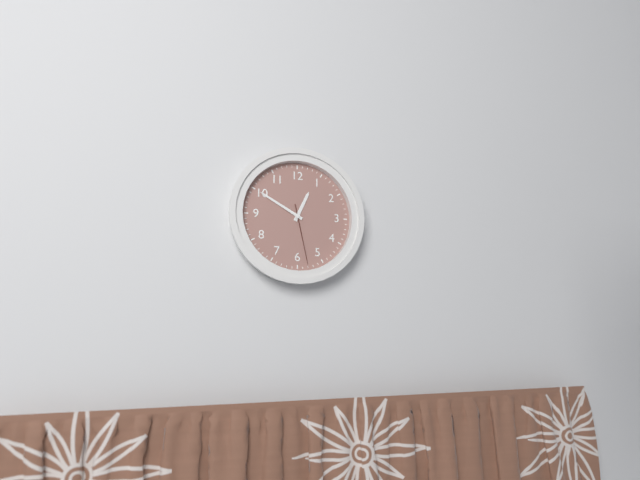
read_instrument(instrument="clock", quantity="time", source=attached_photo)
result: 12:50:28
